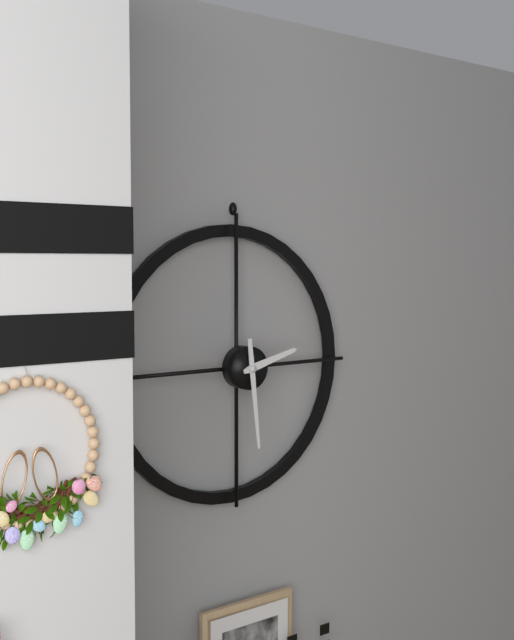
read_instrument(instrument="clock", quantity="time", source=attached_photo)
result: 2:29
